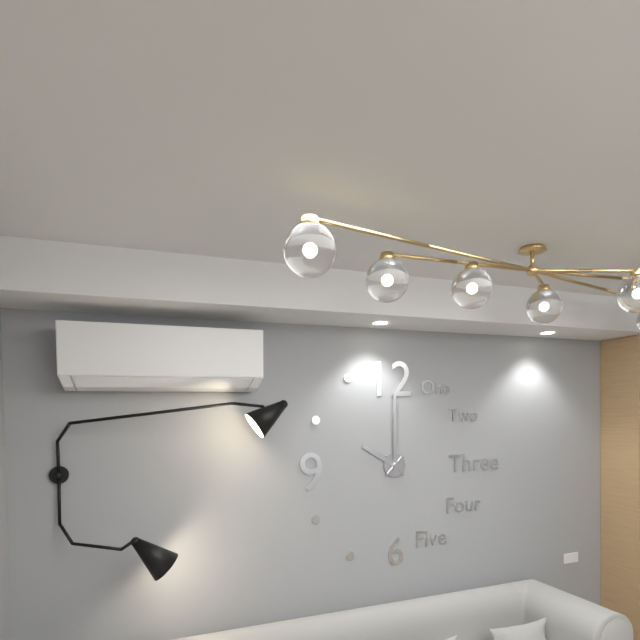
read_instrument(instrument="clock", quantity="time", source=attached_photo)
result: 10:00
